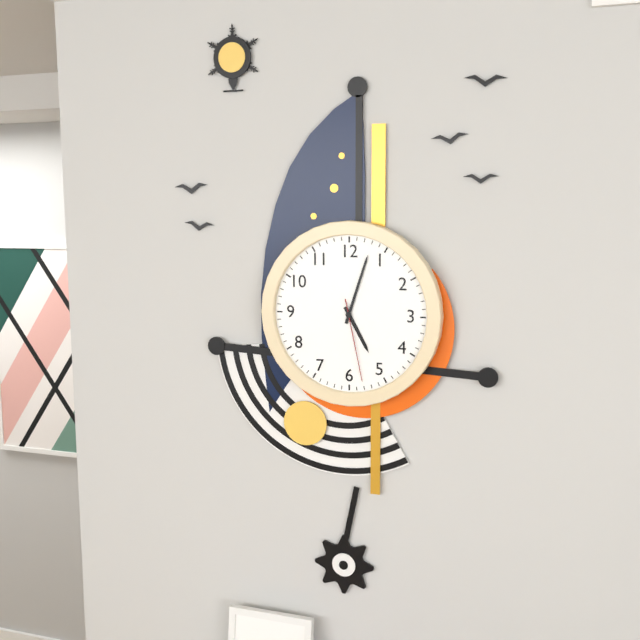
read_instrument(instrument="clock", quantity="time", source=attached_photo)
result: 5:03:28
